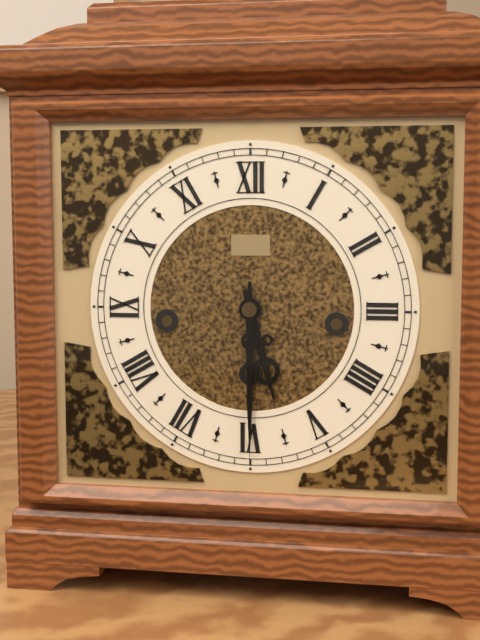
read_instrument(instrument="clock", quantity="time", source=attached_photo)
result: 5:30
